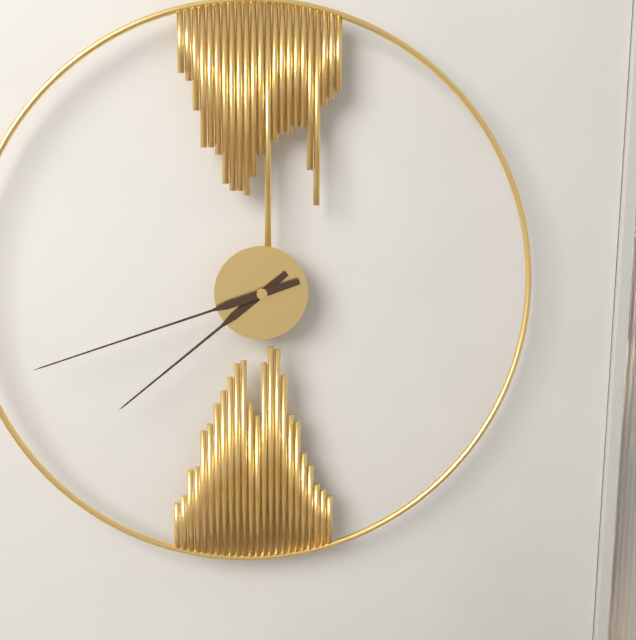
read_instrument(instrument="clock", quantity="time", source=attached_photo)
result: 7:42
